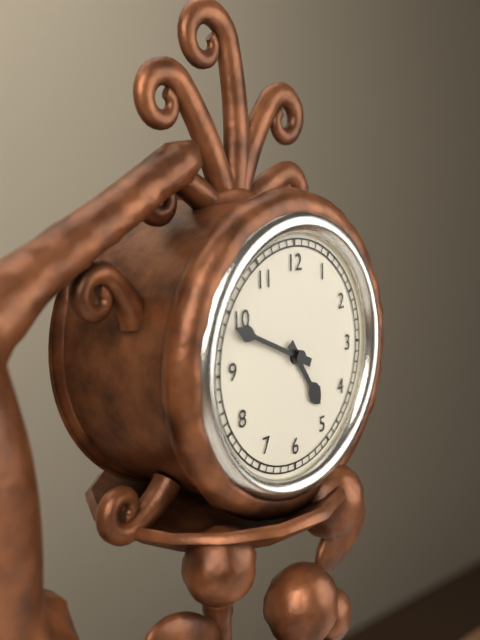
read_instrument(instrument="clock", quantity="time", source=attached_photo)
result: 4:49
